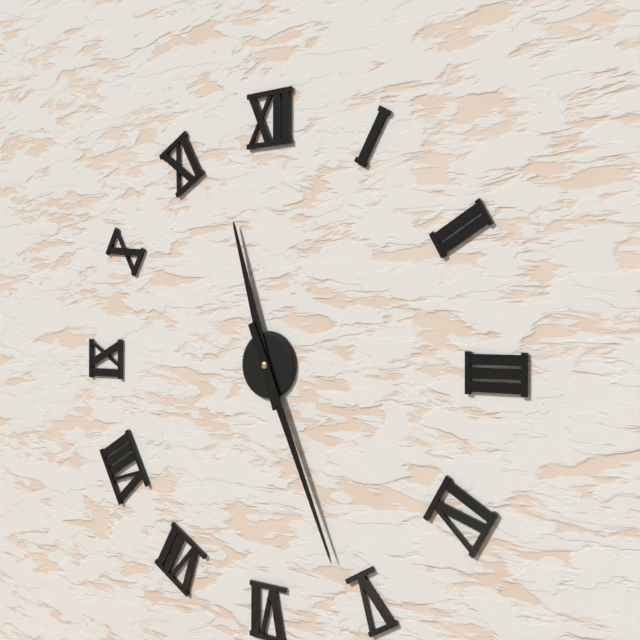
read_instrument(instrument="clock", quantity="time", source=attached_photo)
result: 11:26
